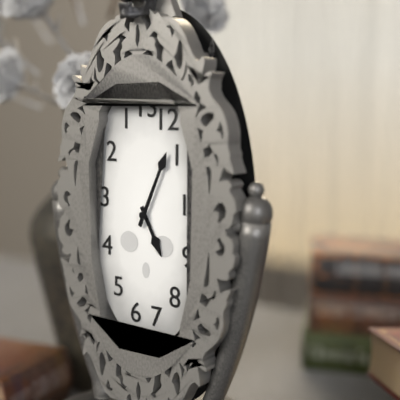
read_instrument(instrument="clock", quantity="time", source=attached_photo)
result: 5:04
